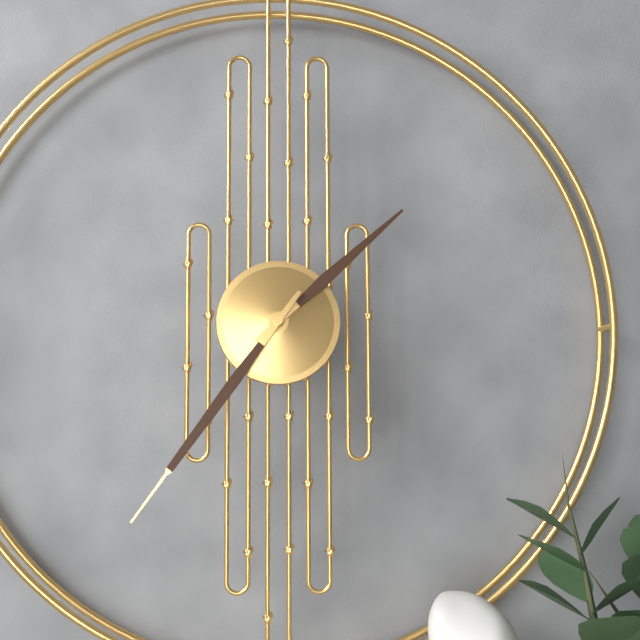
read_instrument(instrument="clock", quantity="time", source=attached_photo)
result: 1:36
